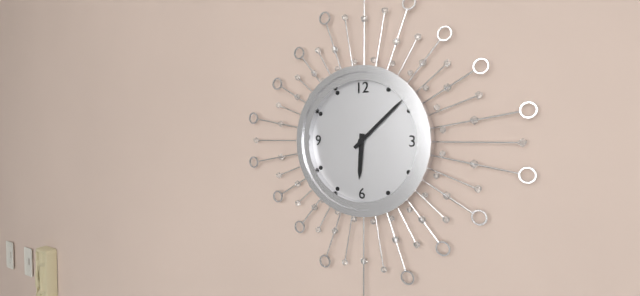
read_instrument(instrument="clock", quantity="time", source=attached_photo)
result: 6:08
